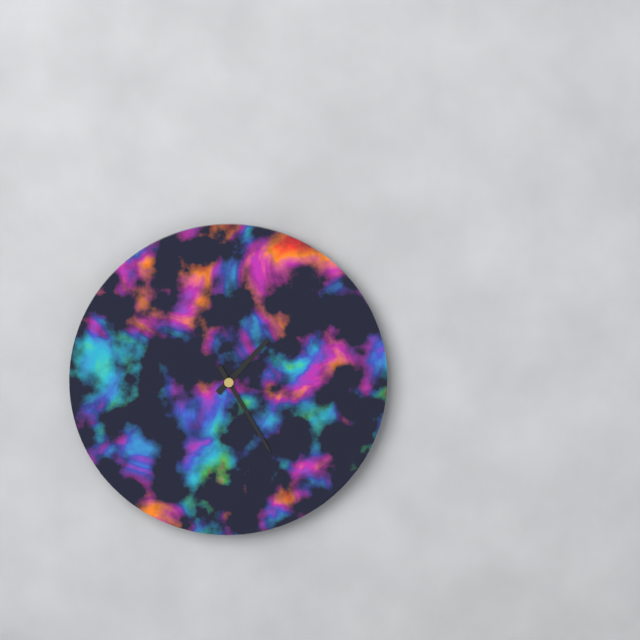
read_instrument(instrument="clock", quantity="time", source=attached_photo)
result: 1:25
